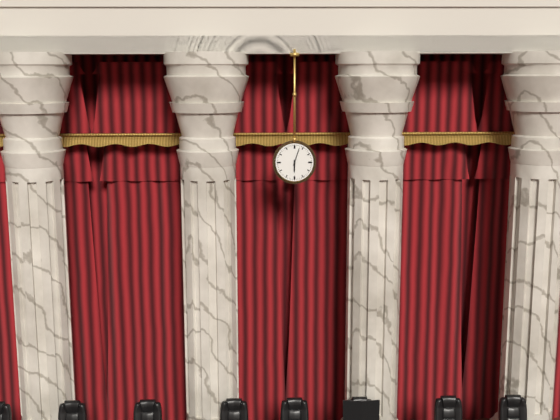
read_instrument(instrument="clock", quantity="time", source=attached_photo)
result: 6:03
